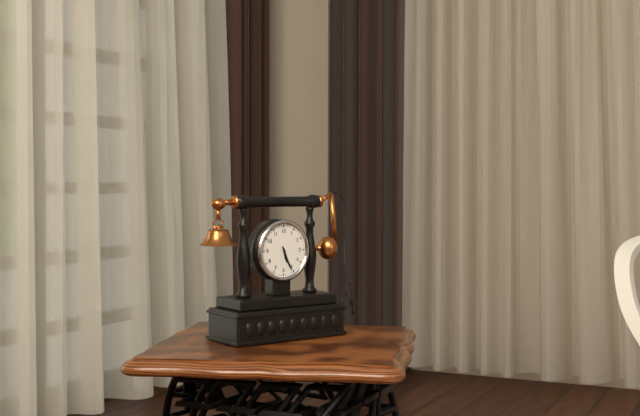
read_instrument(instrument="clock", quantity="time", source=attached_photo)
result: 5:26
